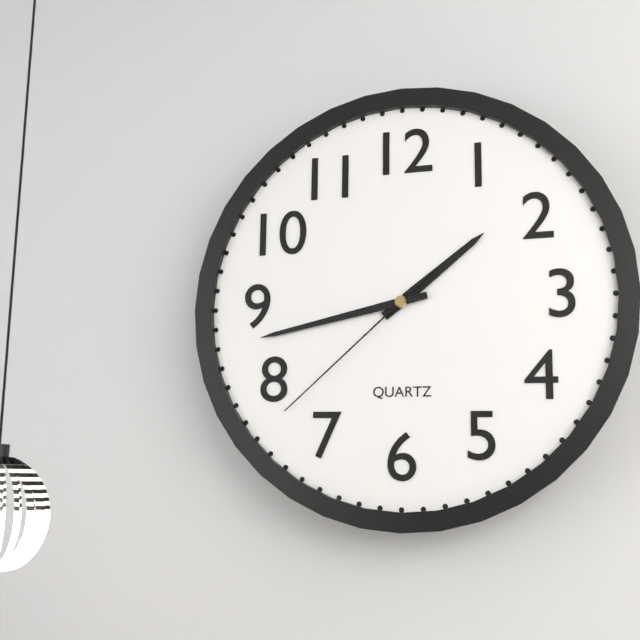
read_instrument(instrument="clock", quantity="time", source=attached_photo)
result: 1:43:38
